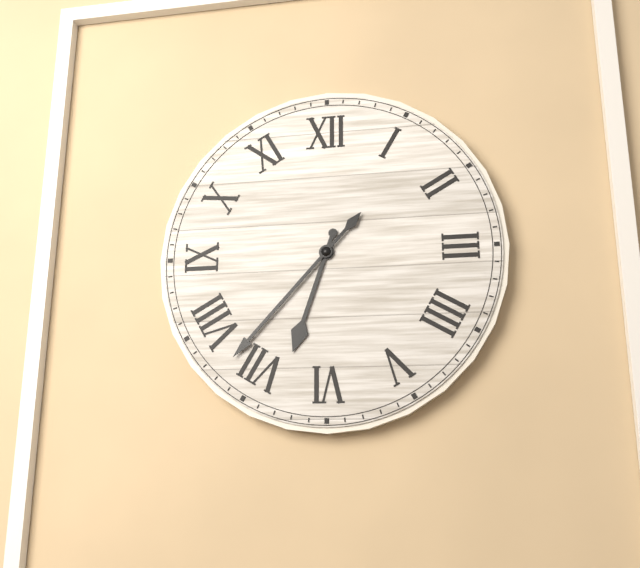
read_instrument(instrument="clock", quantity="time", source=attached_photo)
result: 6:37
